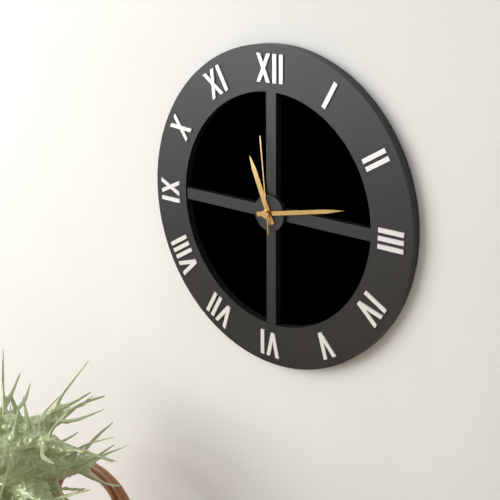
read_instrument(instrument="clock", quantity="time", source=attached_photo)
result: 11:13:59
